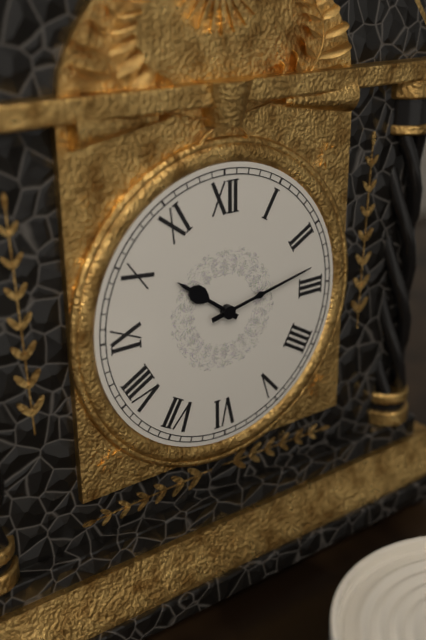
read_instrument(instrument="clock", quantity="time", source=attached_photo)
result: 10:13
